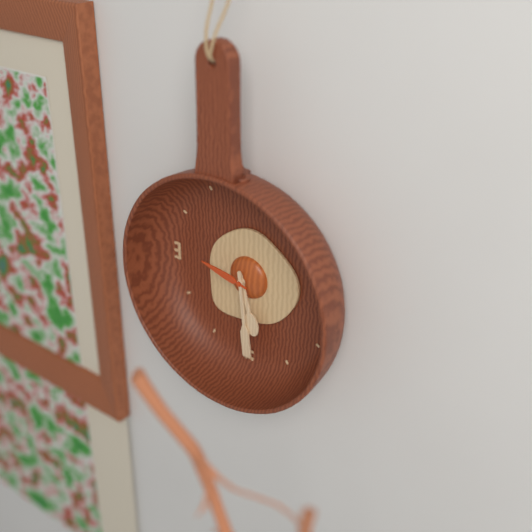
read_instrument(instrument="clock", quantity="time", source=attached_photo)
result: 5:29:47
